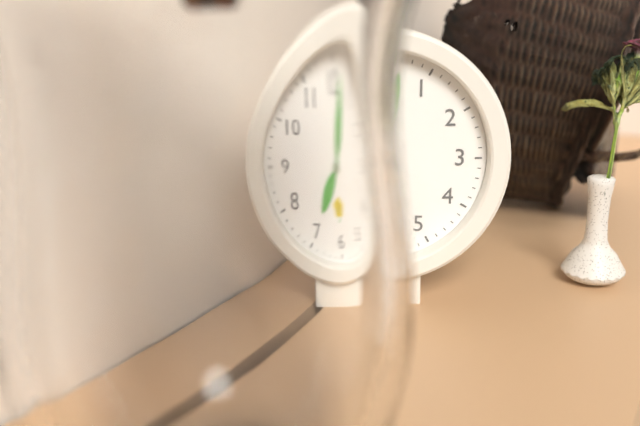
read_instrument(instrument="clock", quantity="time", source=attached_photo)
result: 7:02
